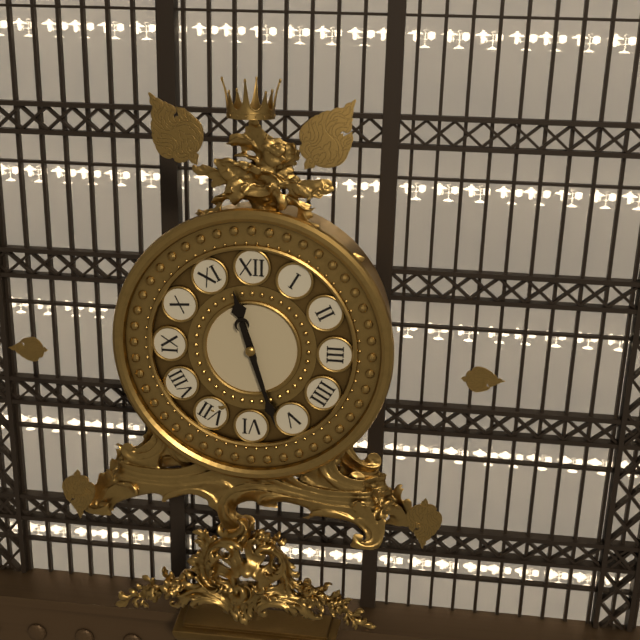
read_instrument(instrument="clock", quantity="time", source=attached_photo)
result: 11:27
